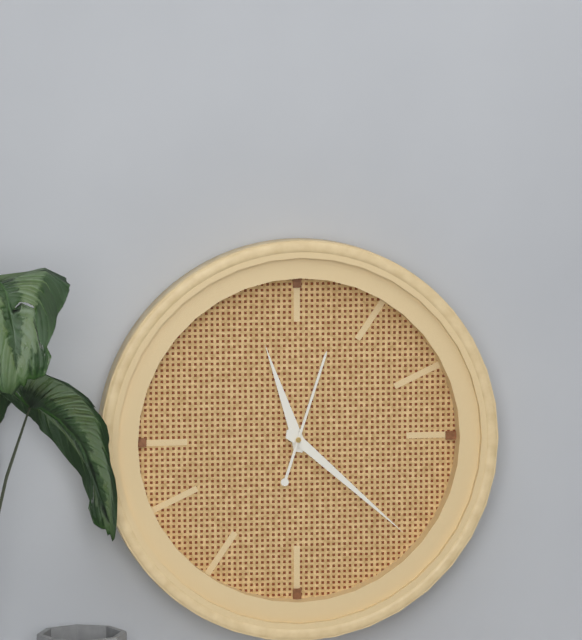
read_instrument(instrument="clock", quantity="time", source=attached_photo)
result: 11:22:03
